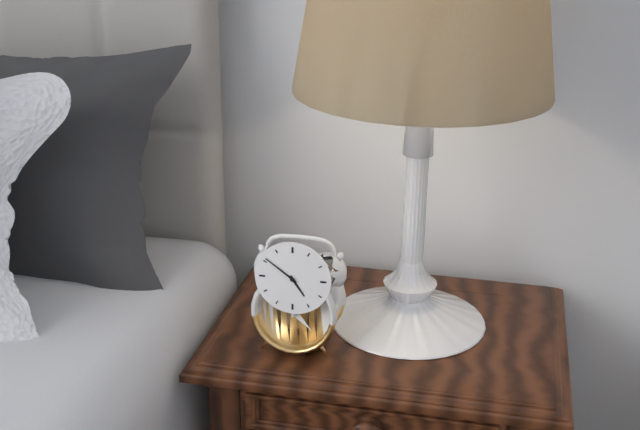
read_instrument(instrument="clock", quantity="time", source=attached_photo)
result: 4:51
